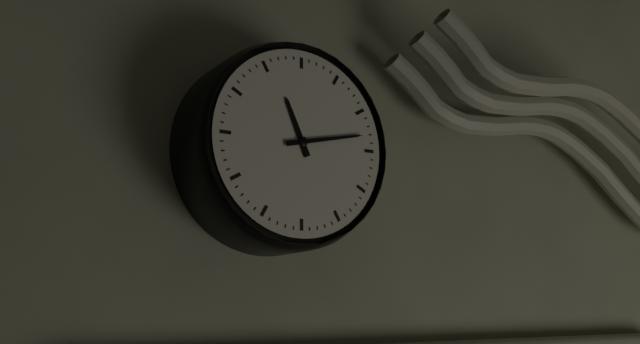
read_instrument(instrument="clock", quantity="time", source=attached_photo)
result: 11:13
